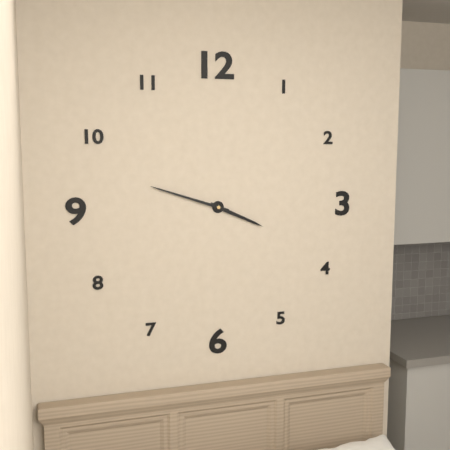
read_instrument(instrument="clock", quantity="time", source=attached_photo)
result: 3:48
